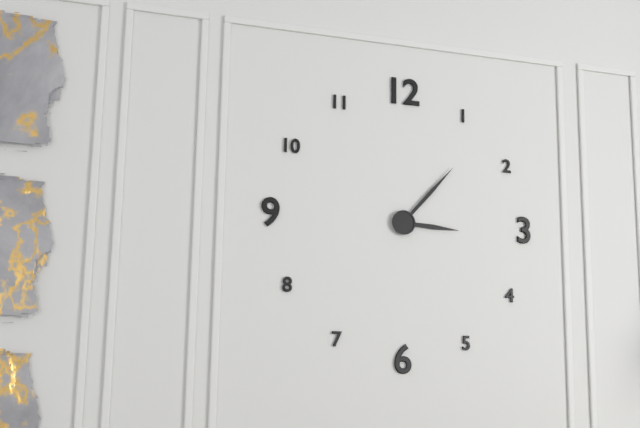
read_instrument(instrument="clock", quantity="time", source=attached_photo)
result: 3:07
